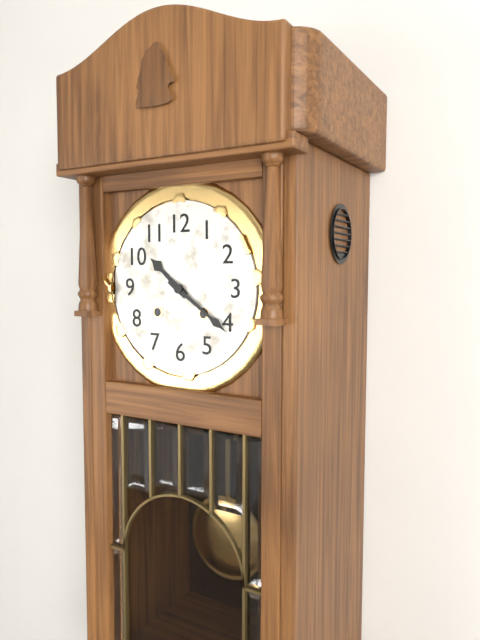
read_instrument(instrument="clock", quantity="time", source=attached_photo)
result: 10:21
